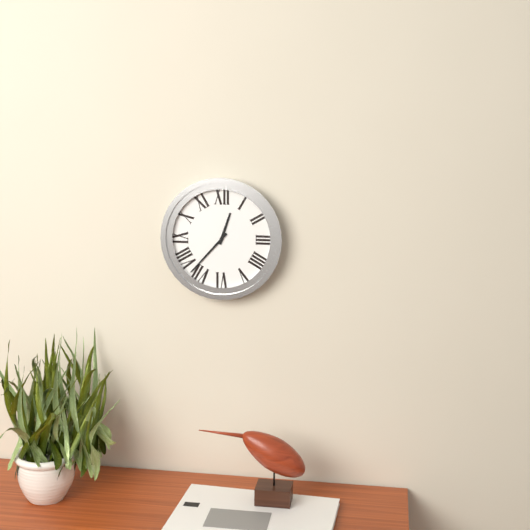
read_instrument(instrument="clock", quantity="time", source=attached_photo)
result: 12:37
